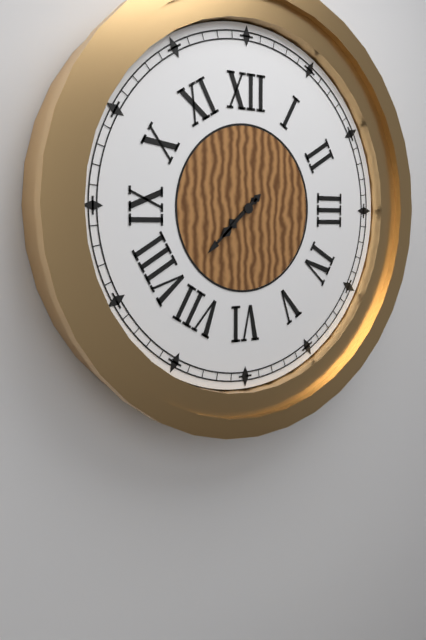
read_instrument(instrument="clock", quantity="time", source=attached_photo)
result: 7:38
